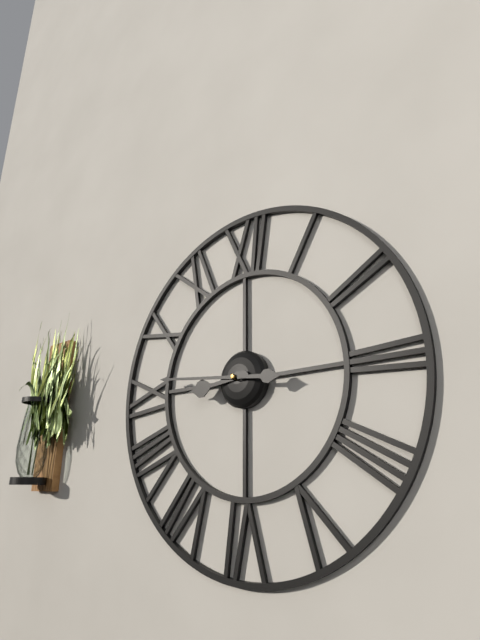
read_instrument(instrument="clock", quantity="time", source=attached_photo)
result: 8:46
